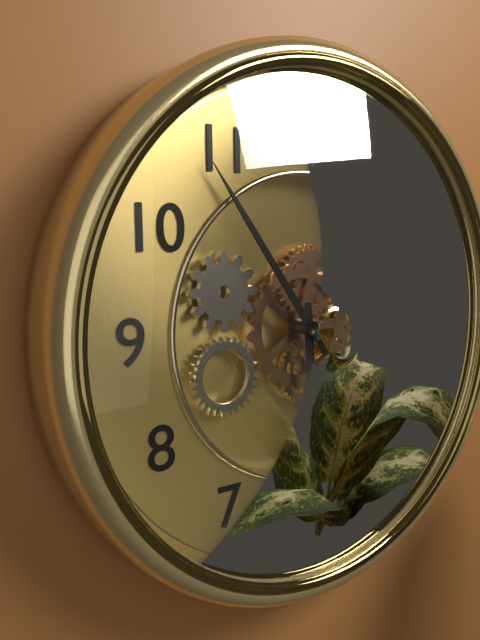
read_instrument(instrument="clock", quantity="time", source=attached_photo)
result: 5:54
